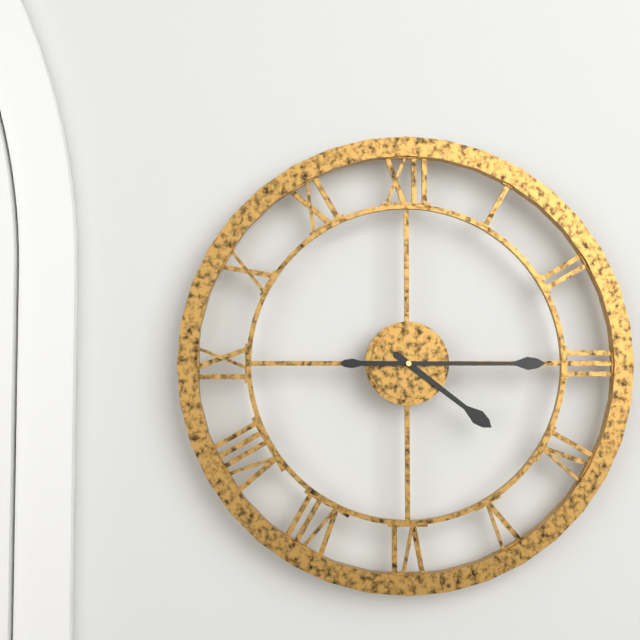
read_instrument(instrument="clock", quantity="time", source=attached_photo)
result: 4:15
